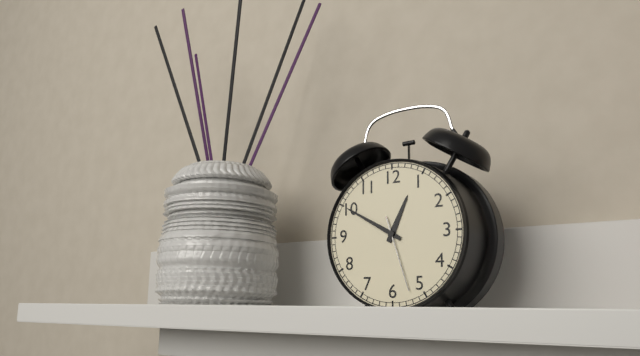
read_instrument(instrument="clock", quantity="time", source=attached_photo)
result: 12:50:27
